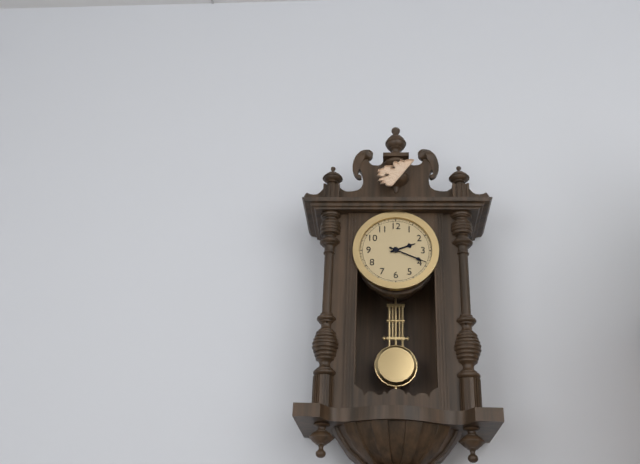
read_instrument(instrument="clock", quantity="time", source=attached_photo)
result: 2:19
